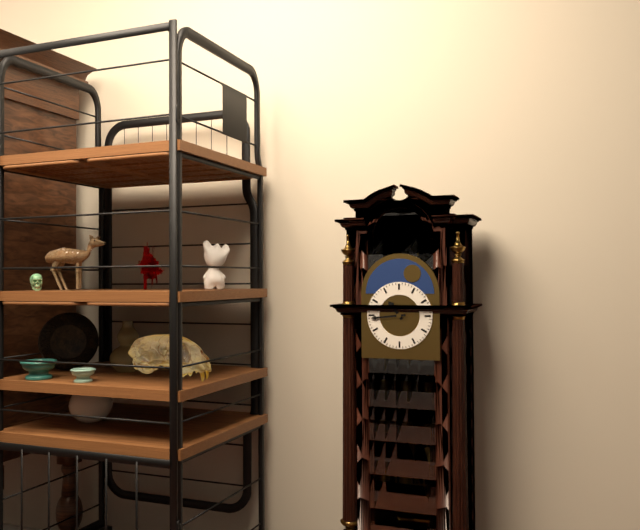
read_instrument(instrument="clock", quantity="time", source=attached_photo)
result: 10:44
